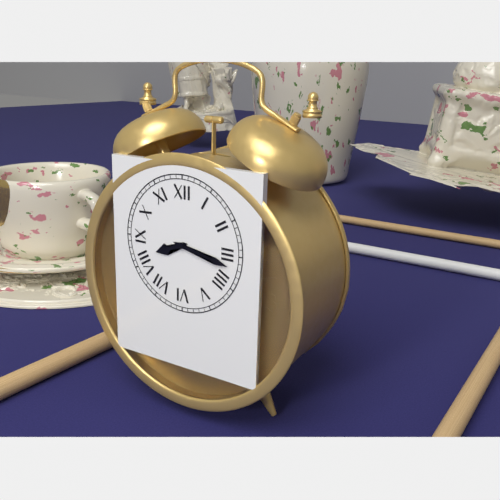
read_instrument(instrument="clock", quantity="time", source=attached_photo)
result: 8:17
